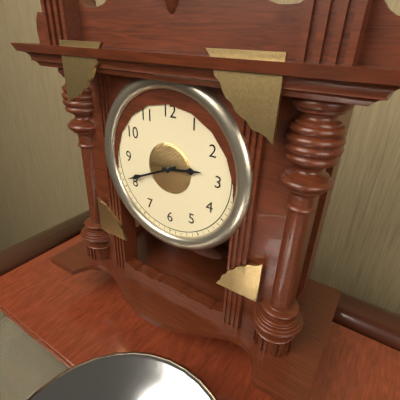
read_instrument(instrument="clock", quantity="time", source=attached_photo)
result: 2:41
